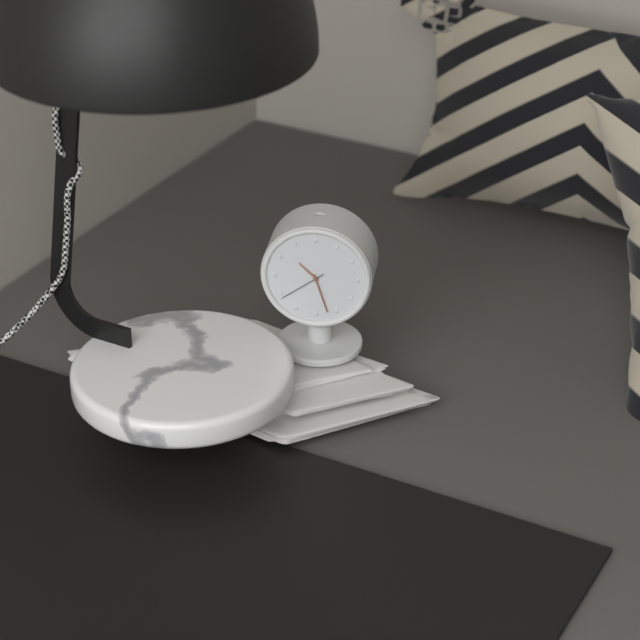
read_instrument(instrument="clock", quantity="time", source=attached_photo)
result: 10:27
